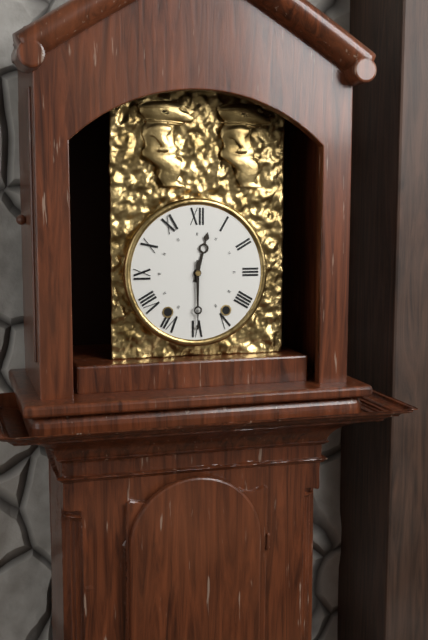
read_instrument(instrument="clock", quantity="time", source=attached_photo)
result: 12:30
